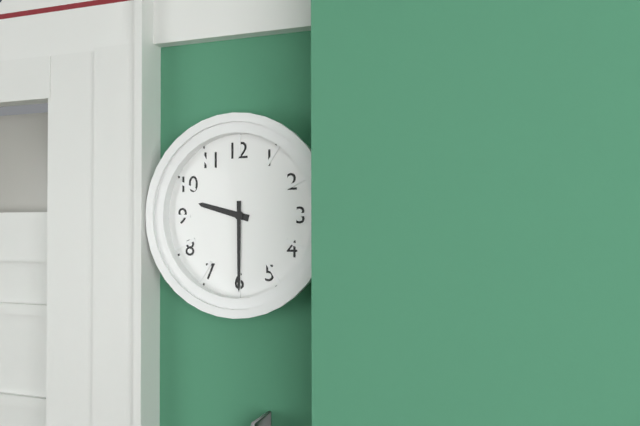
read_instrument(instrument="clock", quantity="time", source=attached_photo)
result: 9:30
